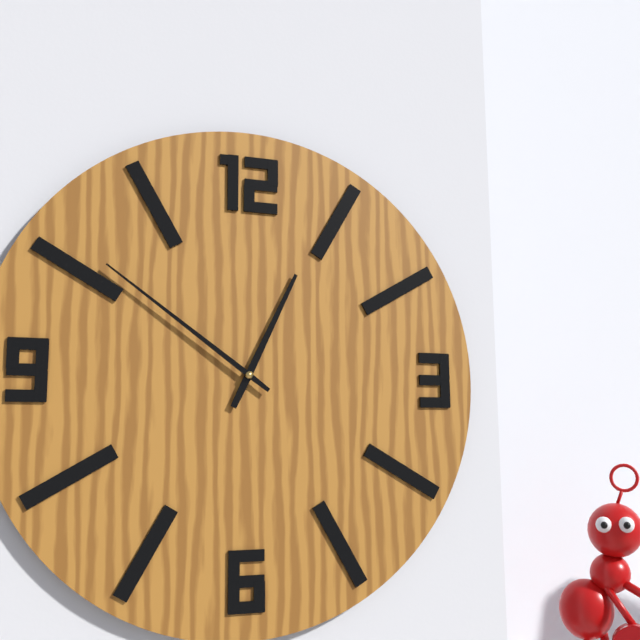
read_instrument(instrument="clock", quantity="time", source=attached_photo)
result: 12:51
